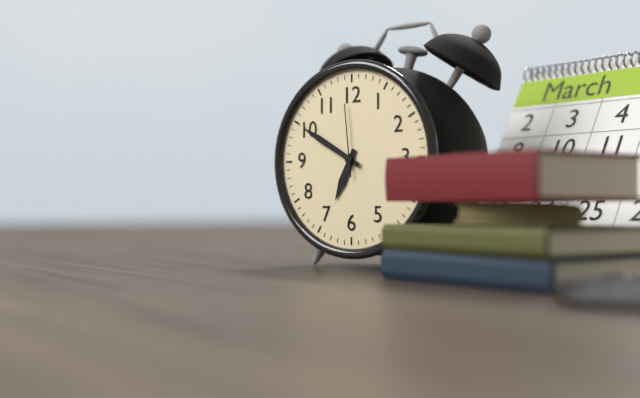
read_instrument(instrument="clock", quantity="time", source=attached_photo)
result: 6:50:59
